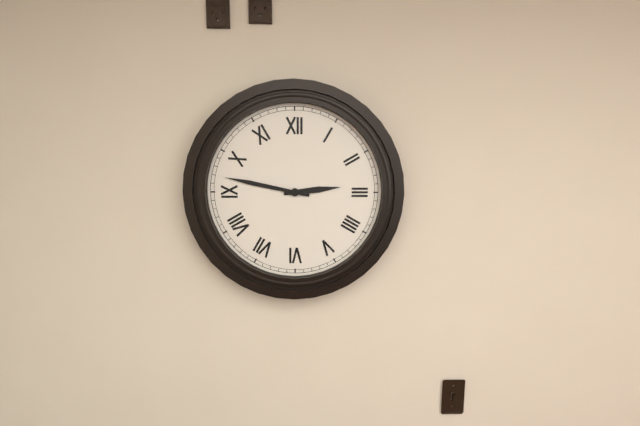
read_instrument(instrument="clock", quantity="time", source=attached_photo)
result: 2:47
